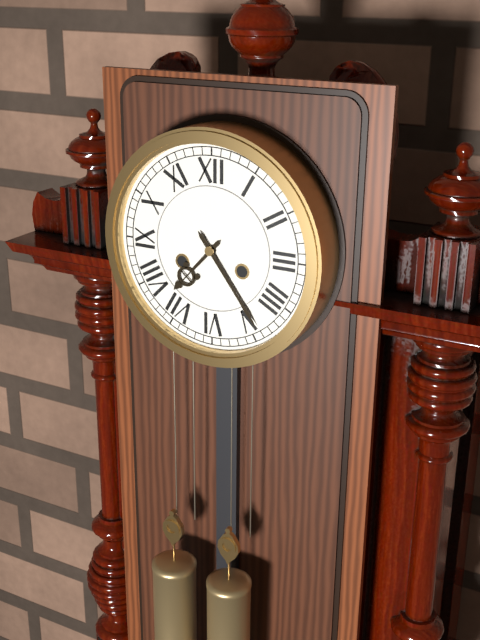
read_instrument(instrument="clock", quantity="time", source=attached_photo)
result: 7:24
